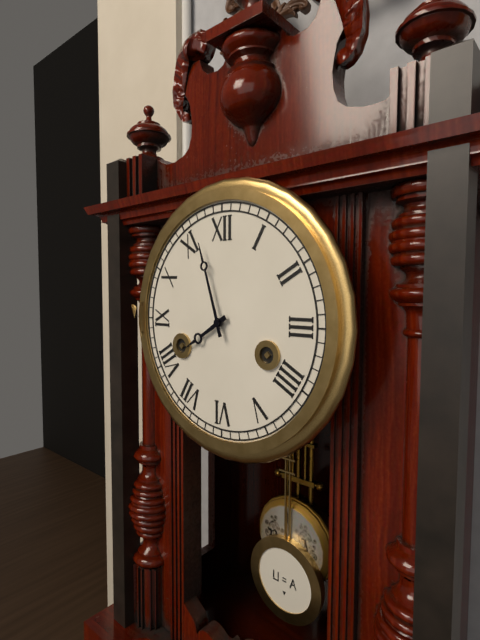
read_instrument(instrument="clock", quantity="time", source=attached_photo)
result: 7:57
